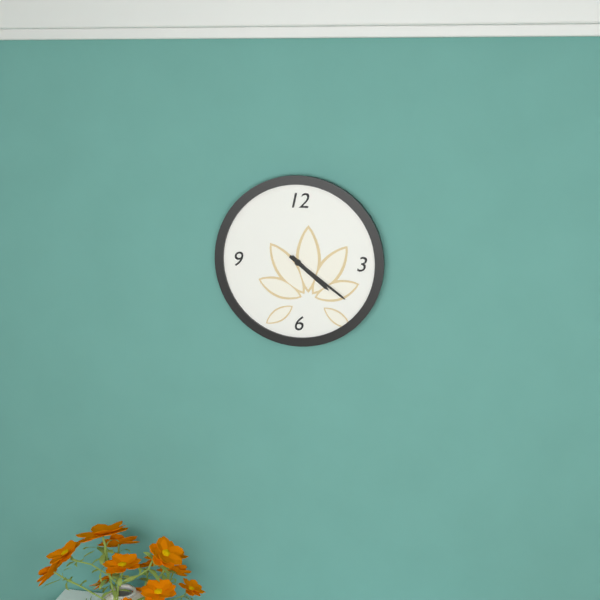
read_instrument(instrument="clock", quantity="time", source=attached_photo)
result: 4:21
